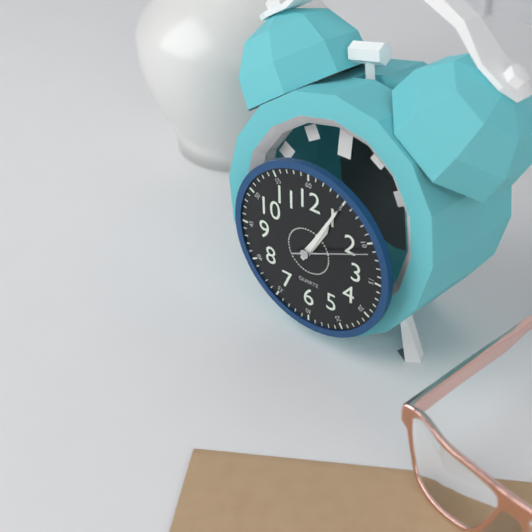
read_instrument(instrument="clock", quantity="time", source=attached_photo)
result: 1:05:11
